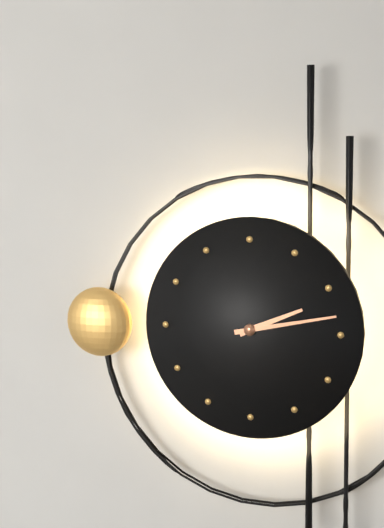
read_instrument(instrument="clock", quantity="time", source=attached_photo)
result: 2:13
